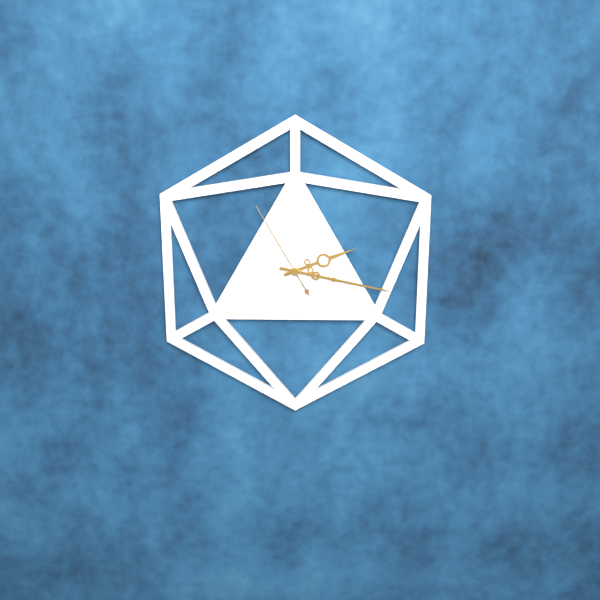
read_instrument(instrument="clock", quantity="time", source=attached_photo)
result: 2:17:55
